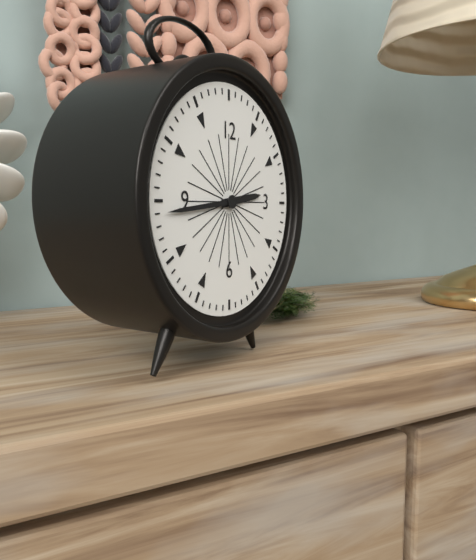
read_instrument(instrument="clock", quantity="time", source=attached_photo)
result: 2:44
